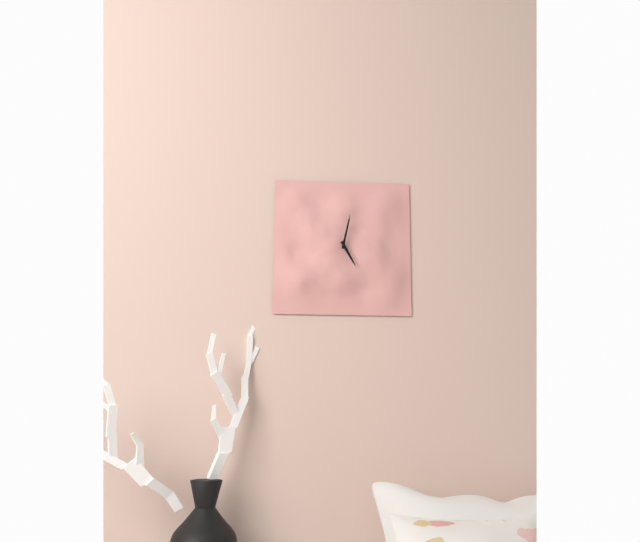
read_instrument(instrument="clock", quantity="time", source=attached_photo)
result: 5:02
